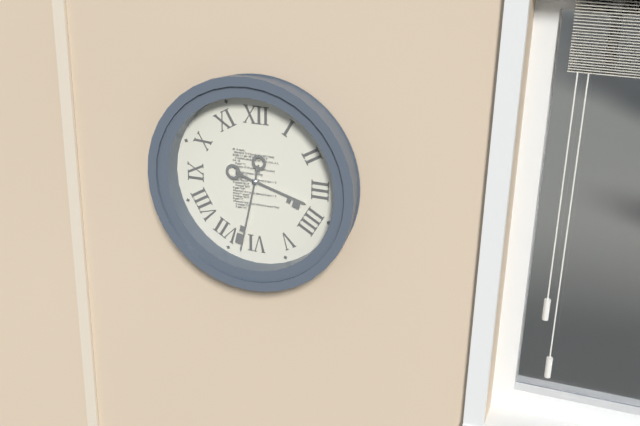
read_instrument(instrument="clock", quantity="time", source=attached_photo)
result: 3:32
